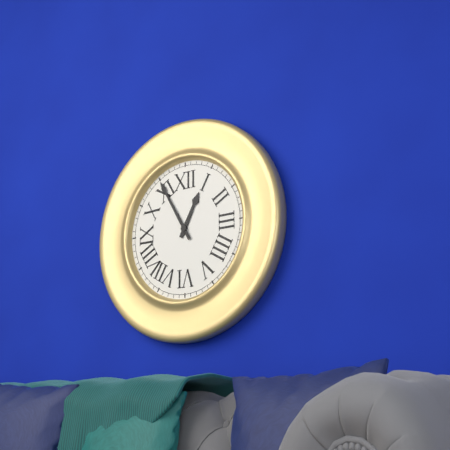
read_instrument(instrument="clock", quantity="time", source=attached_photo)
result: 12:55
